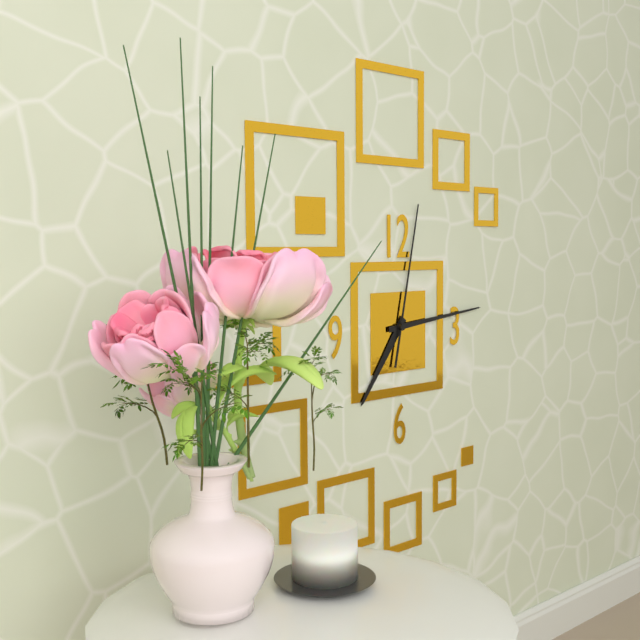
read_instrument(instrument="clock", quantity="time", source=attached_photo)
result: 7:14:02
